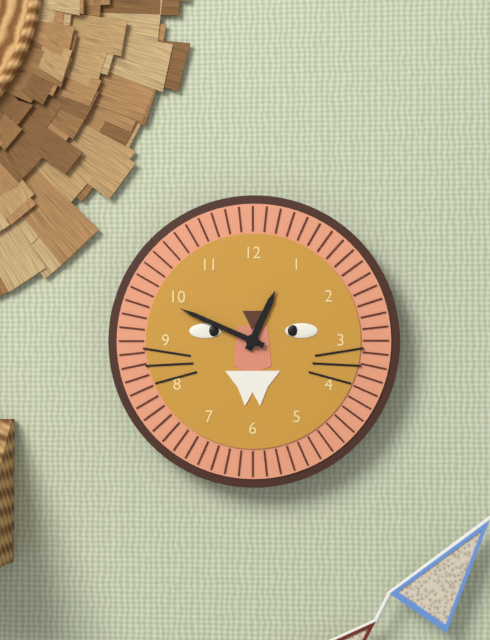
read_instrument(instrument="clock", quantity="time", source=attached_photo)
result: 12:49
